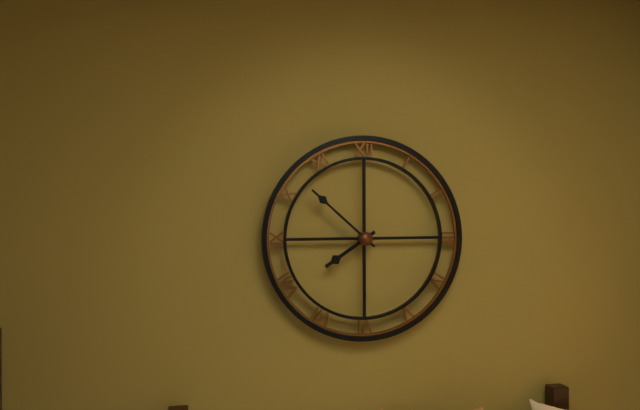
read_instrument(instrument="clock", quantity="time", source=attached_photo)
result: 7:52
